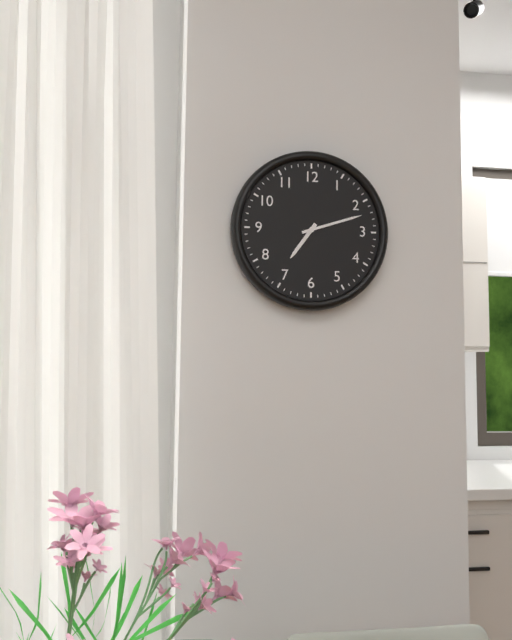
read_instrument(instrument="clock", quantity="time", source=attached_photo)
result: 7:12
